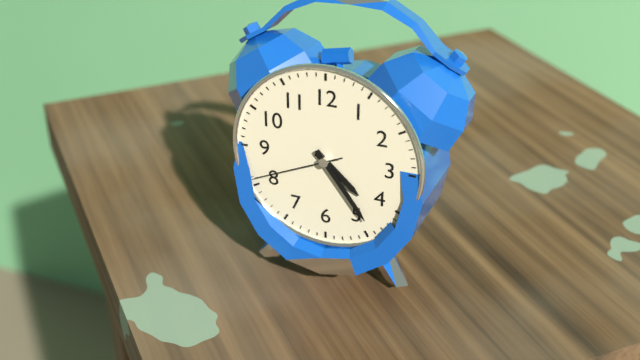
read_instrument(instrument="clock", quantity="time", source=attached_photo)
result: 4:24:41
